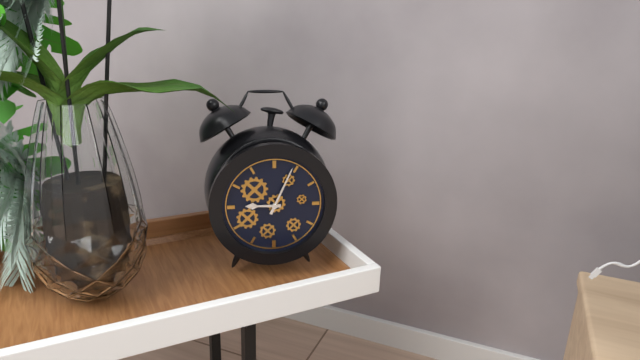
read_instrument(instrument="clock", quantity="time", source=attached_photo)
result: 9:04
